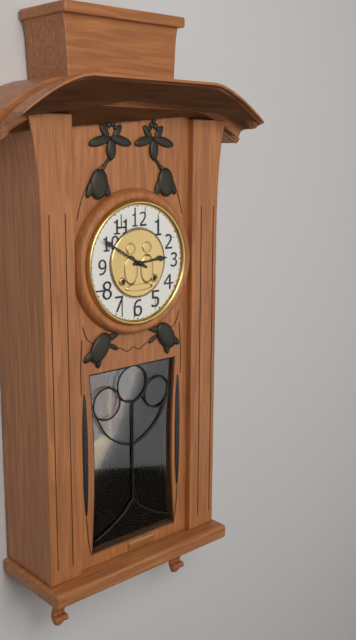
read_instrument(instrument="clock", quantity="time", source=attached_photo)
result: 2:50
